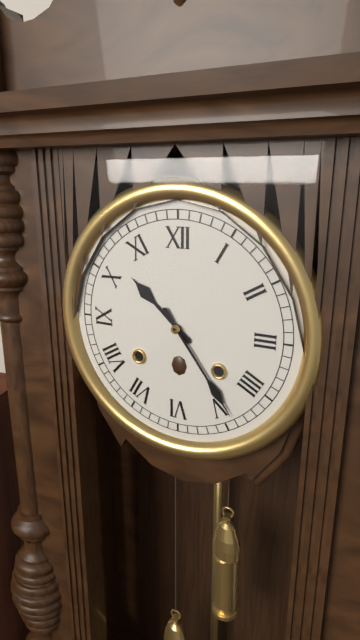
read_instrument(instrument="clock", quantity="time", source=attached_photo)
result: 10:24
